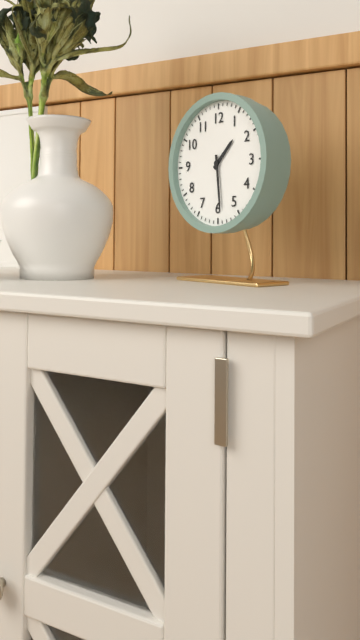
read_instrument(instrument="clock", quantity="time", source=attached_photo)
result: 1:29
